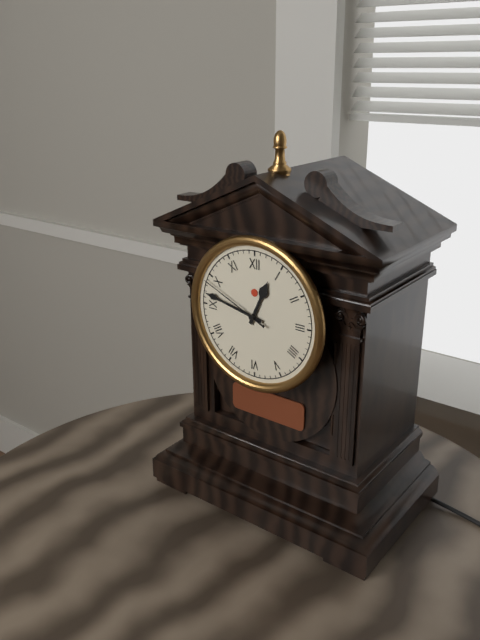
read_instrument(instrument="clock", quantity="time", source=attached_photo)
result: 12:47:49
